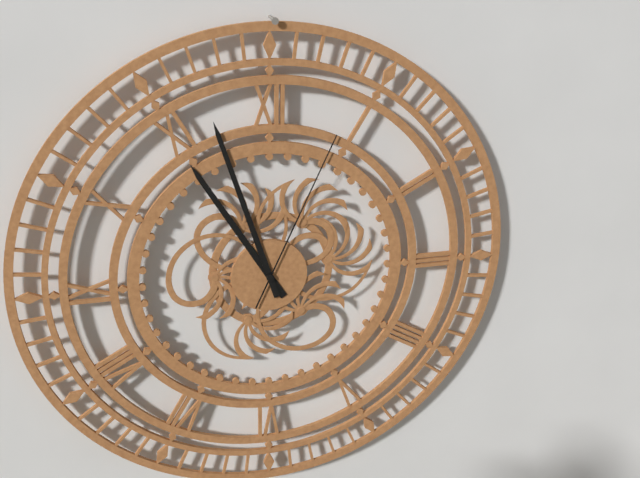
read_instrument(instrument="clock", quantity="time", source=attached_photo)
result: 10:57:04
